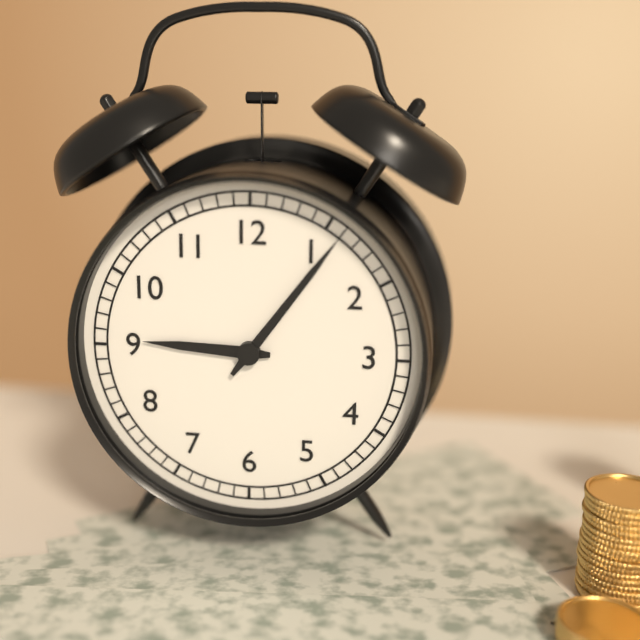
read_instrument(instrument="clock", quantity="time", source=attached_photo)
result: 9:06
